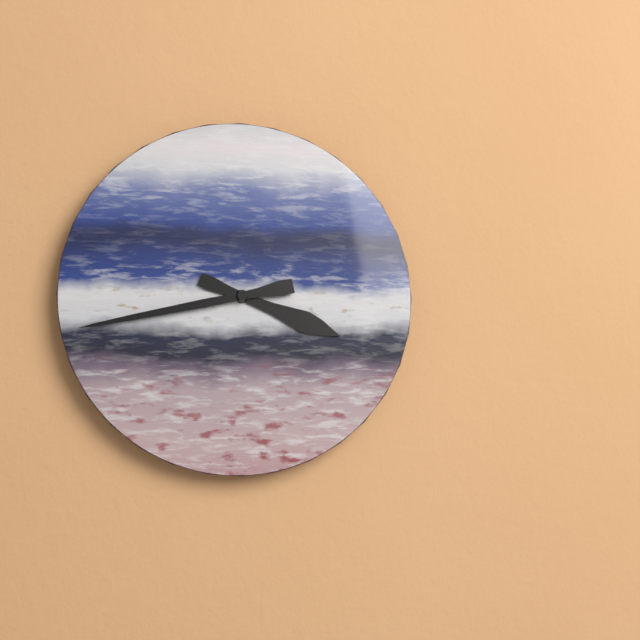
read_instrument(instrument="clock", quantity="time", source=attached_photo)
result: 3:43
